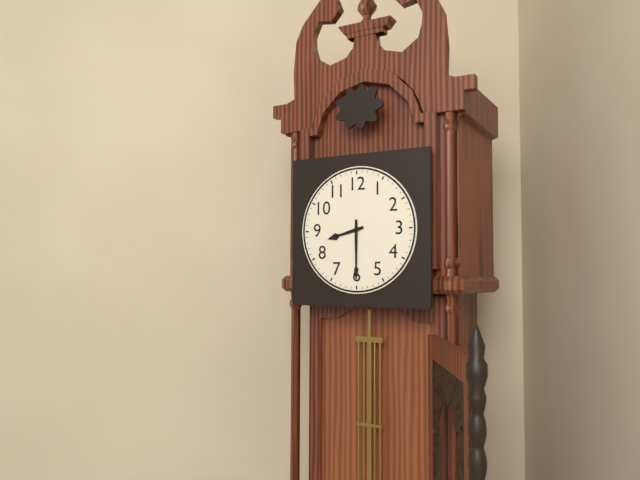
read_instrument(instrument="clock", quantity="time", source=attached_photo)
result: 8:30
